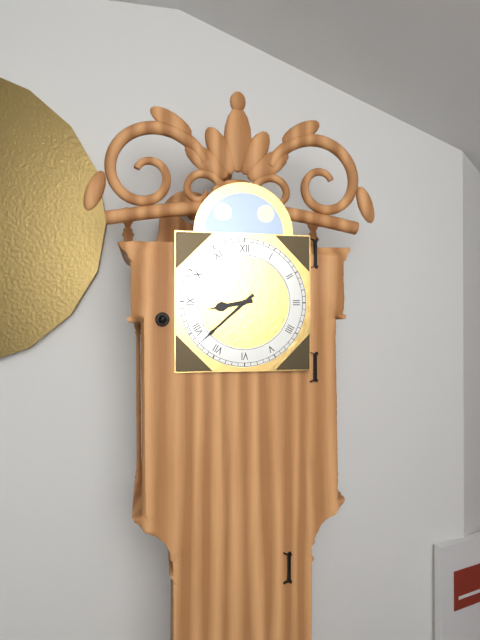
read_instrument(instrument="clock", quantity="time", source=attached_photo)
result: 8:38
